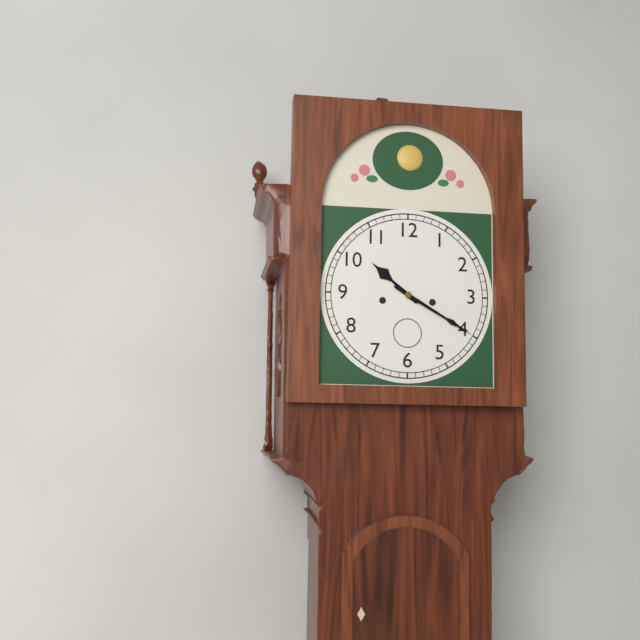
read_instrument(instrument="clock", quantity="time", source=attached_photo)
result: 10:20
